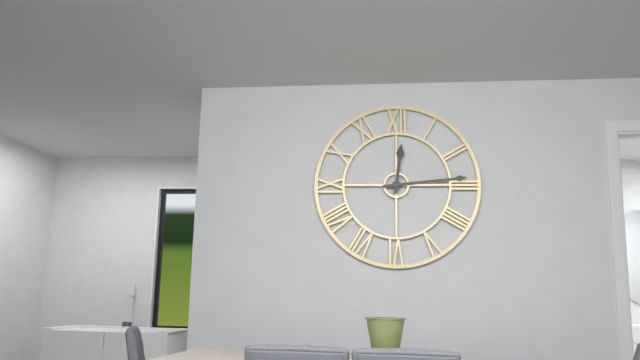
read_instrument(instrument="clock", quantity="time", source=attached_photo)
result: 12:14
